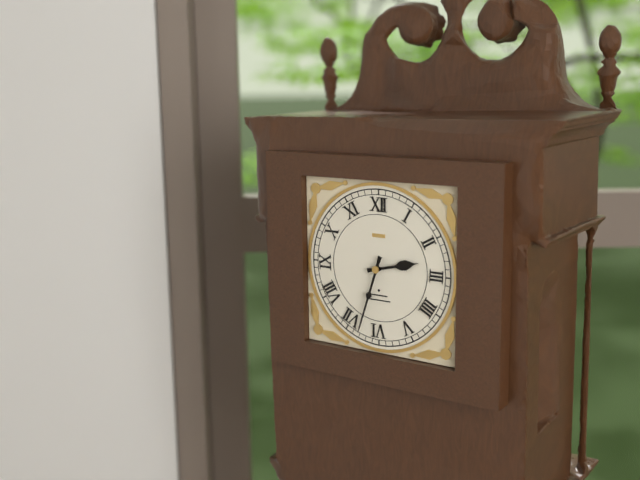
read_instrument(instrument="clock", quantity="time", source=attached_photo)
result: 2:33
